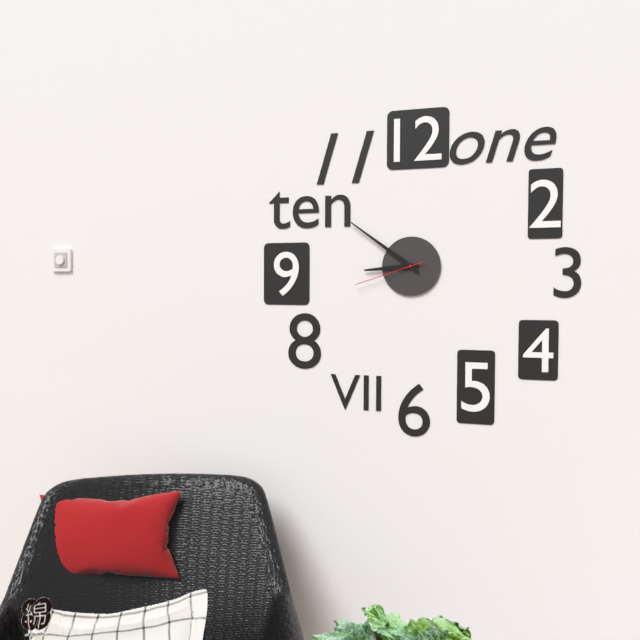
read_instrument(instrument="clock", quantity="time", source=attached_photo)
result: 8:51:42
